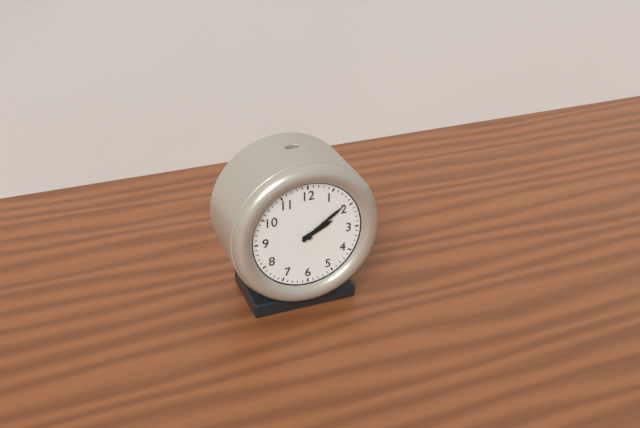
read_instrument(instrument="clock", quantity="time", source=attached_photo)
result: 2:09
